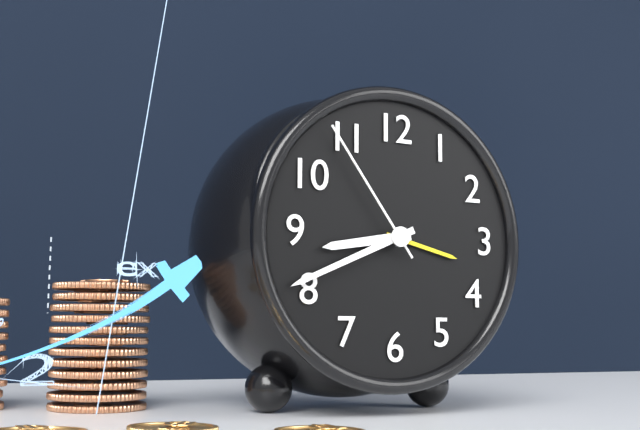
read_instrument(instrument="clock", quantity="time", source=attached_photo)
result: 8:41:54
